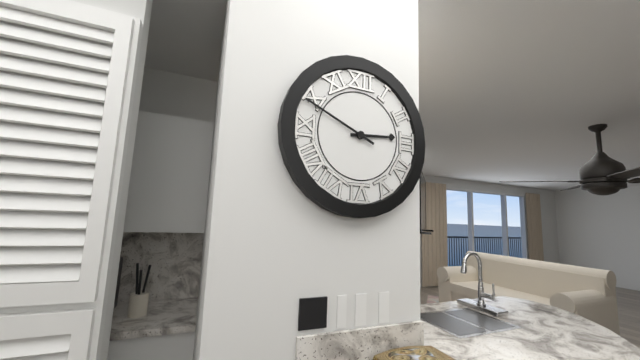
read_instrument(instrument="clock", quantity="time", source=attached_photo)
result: 2:49
